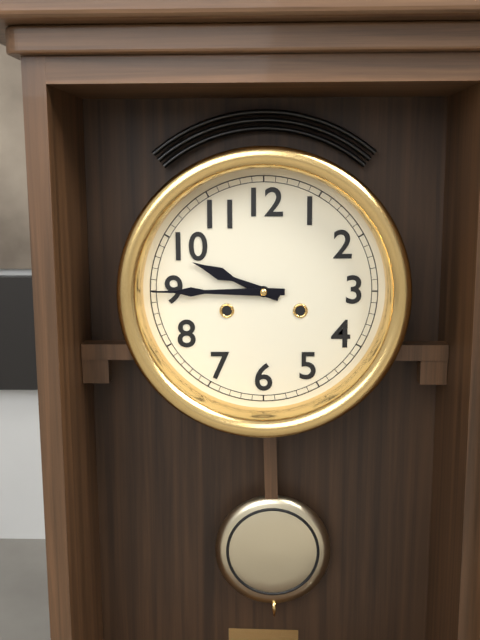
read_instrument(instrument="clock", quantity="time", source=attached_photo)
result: 9:45
